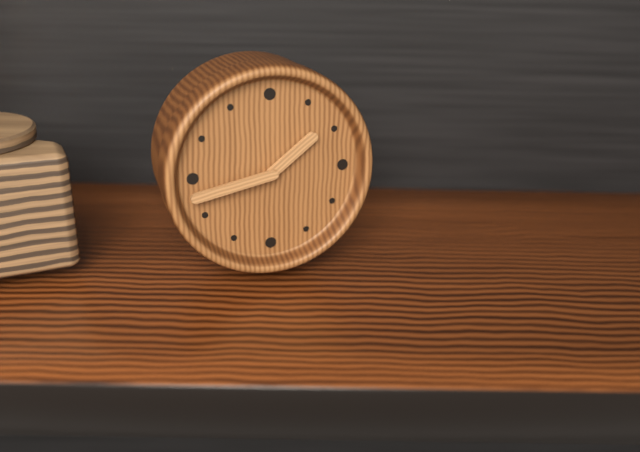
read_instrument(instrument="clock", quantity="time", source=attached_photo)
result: 1:43
